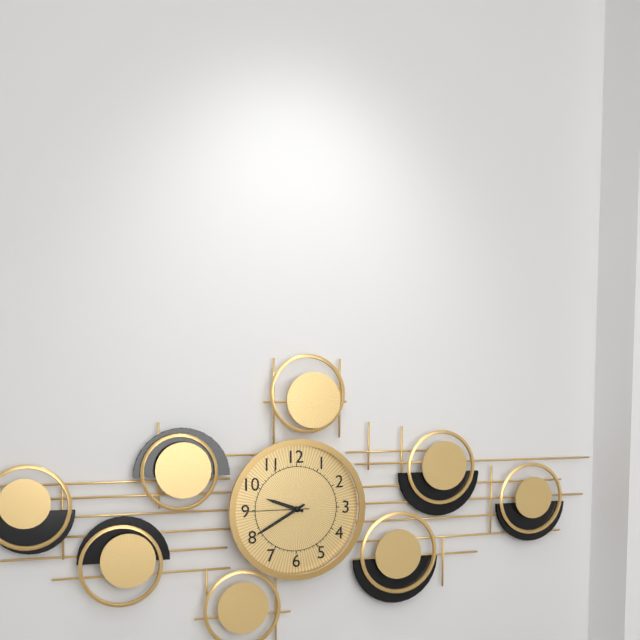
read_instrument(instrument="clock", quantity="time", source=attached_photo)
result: 9:40:45
